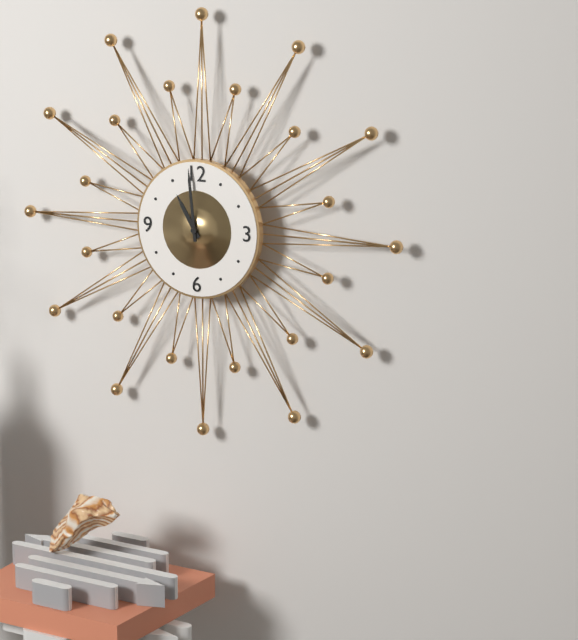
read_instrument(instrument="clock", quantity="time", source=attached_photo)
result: 10:59
